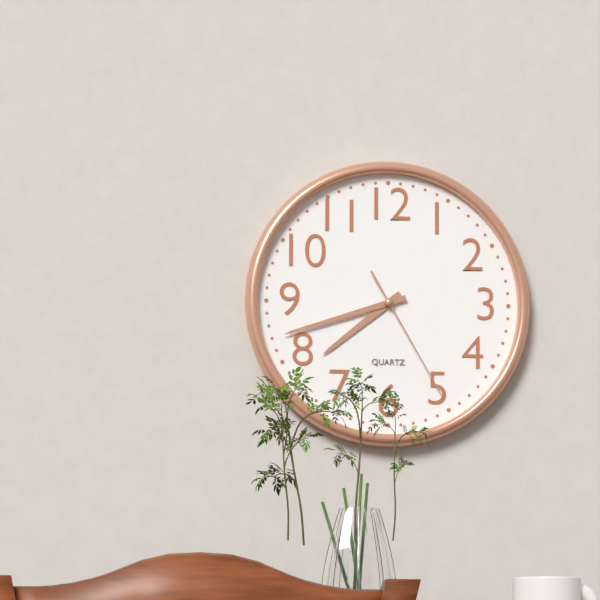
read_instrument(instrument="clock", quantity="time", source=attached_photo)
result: 7:42:25
